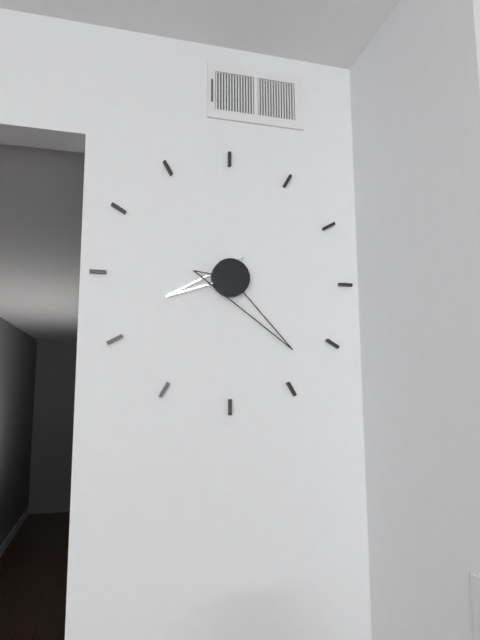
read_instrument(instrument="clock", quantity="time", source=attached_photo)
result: 8:23
